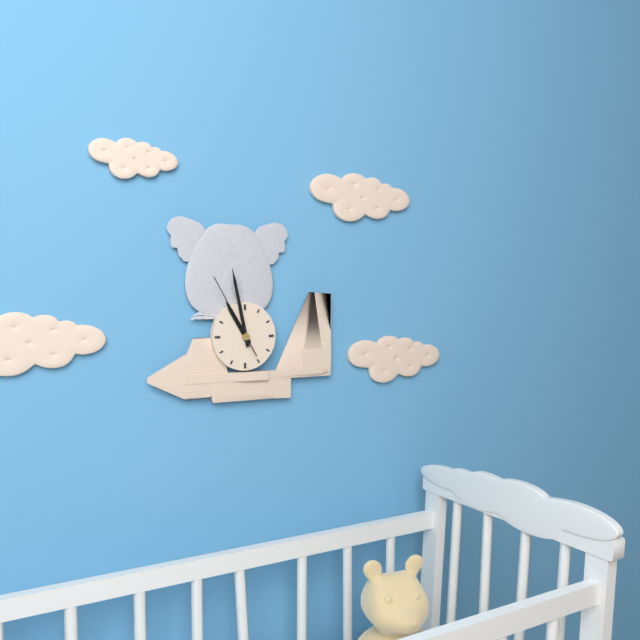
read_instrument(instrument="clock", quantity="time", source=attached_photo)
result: 10:58:55
